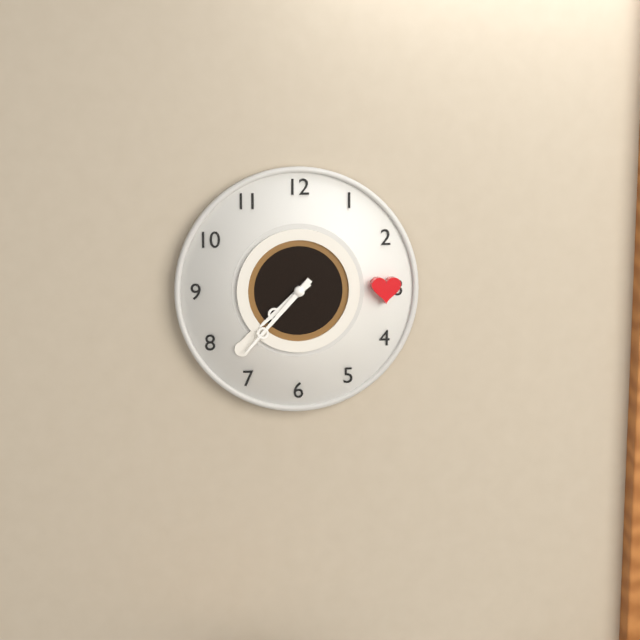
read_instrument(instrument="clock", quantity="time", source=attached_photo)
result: 7:37
